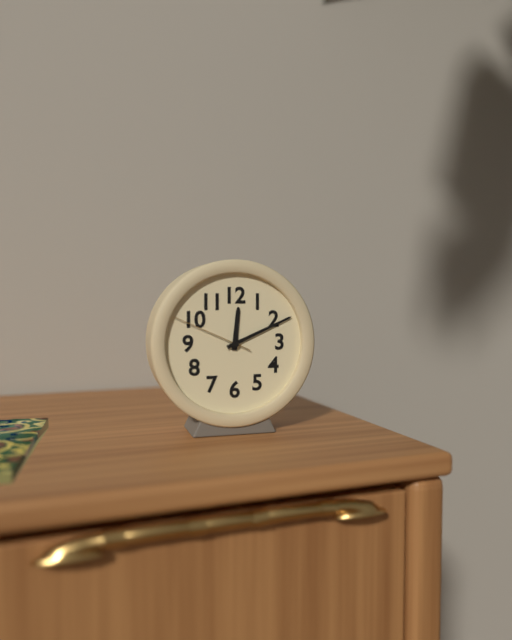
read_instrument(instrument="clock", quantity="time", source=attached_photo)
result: 12:11:49
